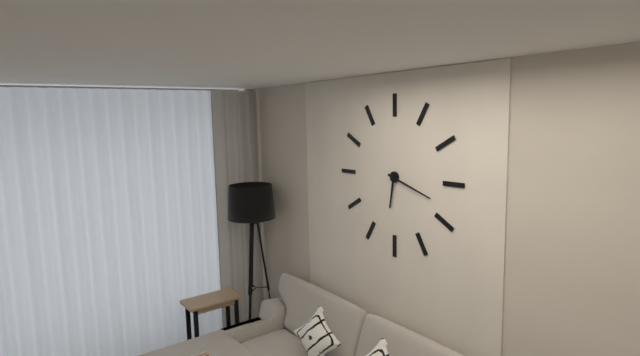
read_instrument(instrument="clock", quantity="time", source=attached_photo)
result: 6:18
